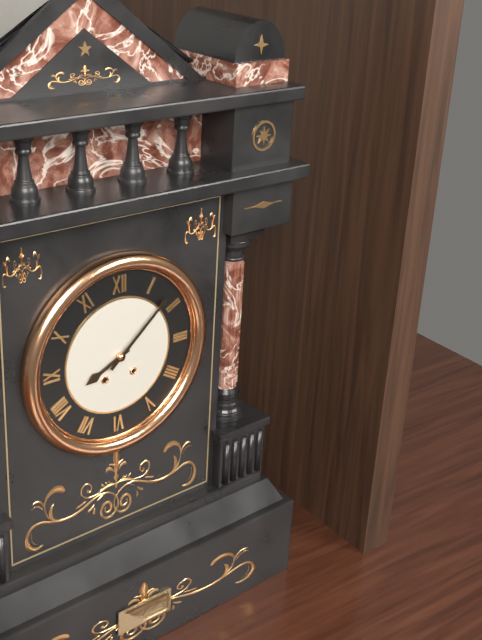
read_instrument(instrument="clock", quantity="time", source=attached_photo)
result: 8:08
